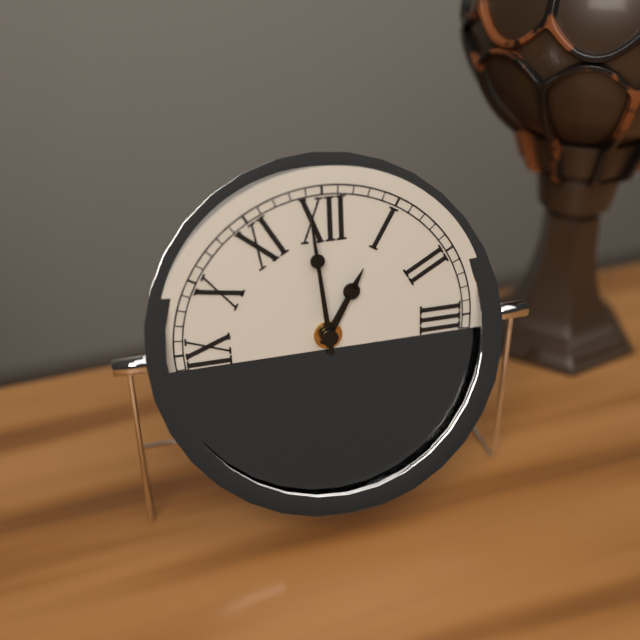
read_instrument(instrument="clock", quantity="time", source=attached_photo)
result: 12:59
